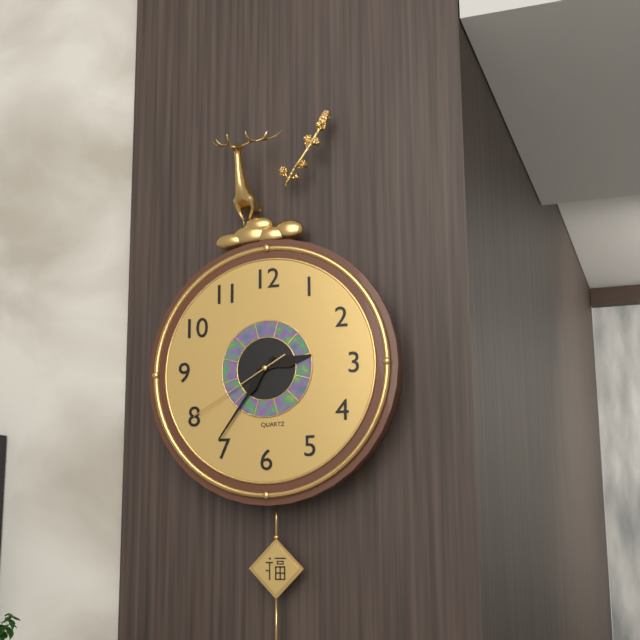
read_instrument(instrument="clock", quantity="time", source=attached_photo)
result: 2:36:40
